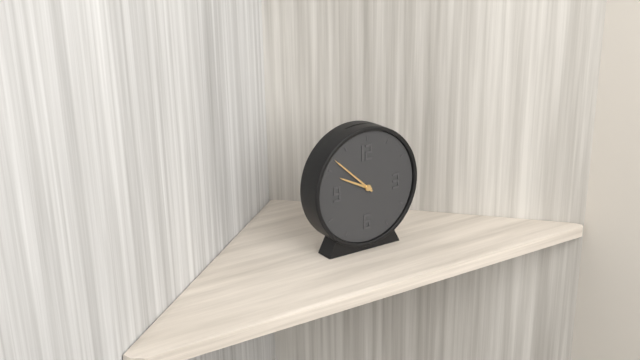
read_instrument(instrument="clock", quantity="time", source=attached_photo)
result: 9:52
